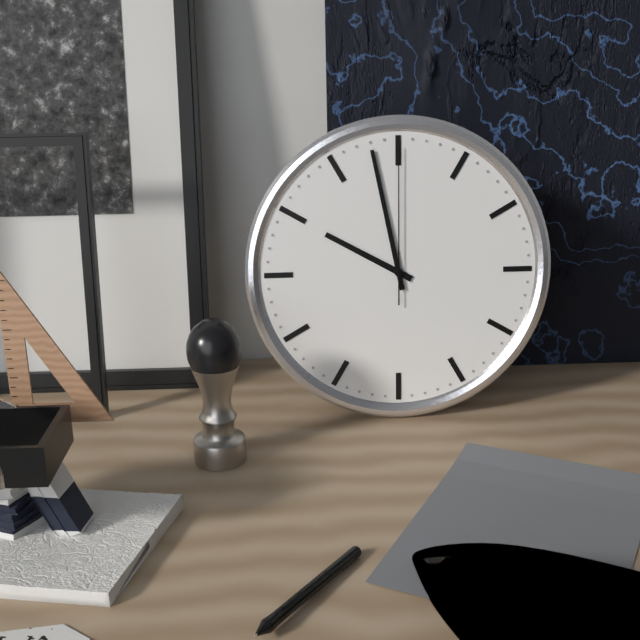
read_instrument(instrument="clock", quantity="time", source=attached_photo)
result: 9:58:00
